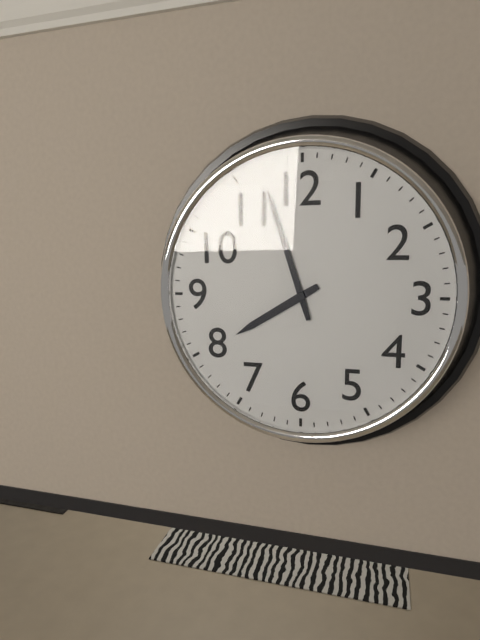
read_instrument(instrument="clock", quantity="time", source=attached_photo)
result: 7:57
